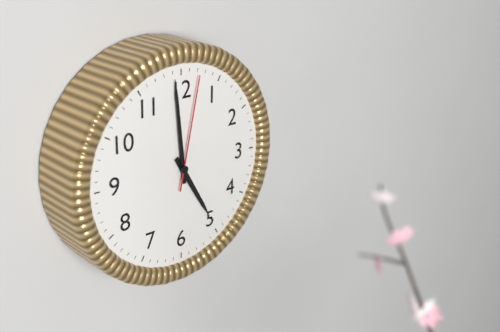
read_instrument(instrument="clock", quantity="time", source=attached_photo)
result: 4:59:02
